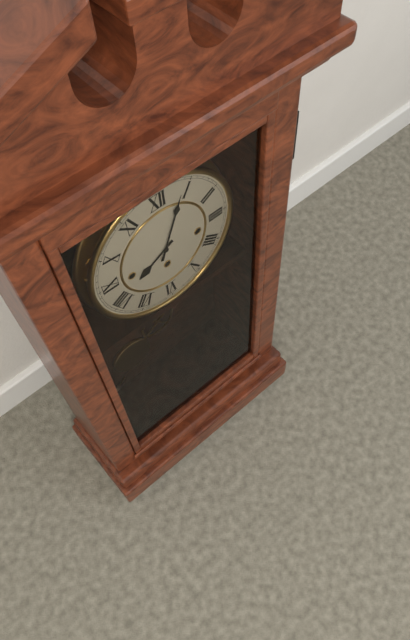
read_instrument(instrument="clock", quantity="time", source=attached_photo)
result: 8:04
